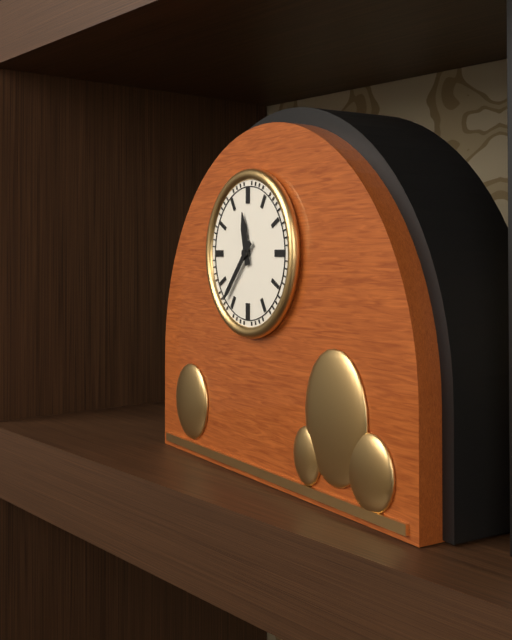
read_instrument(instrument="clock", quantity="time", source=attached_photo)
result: 11:37
